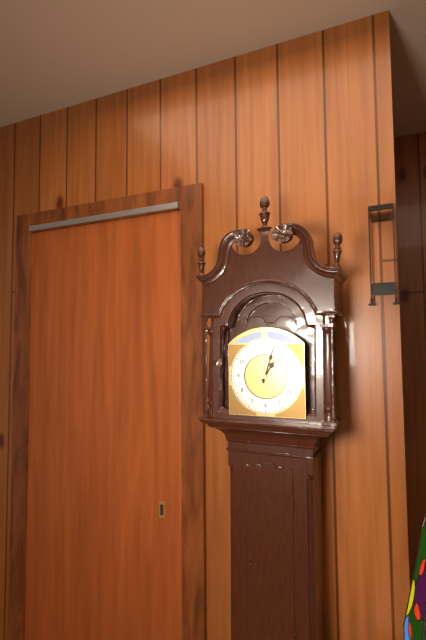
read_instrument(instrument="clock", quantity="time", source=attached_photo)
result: 1:03
